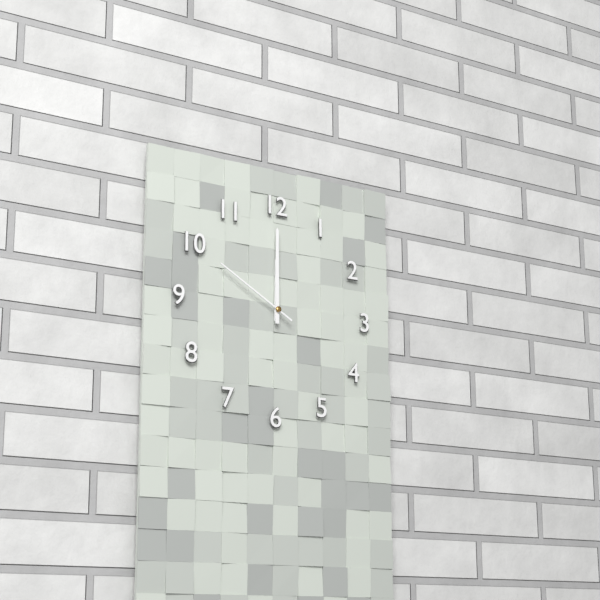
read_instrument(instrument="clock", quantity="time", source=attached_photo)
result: 12:00:50
